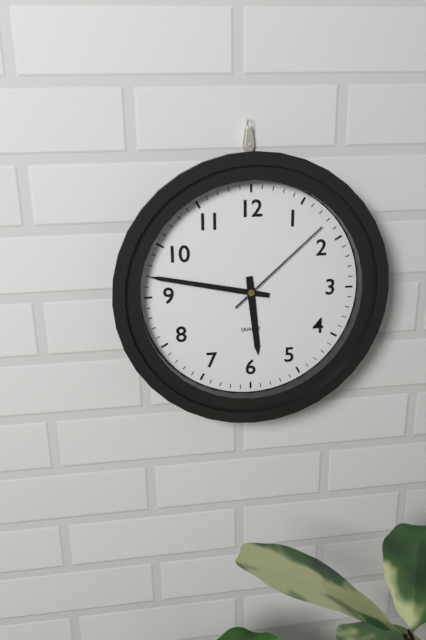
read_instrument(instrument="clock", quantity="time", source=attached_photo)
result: 5:47:08
